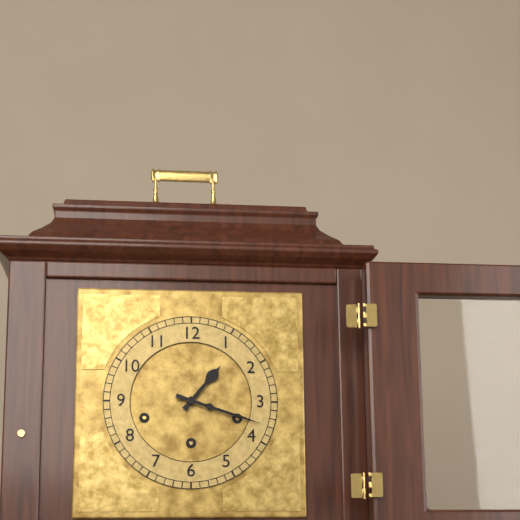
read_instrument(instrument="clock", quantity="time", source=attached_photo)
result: 1:18
